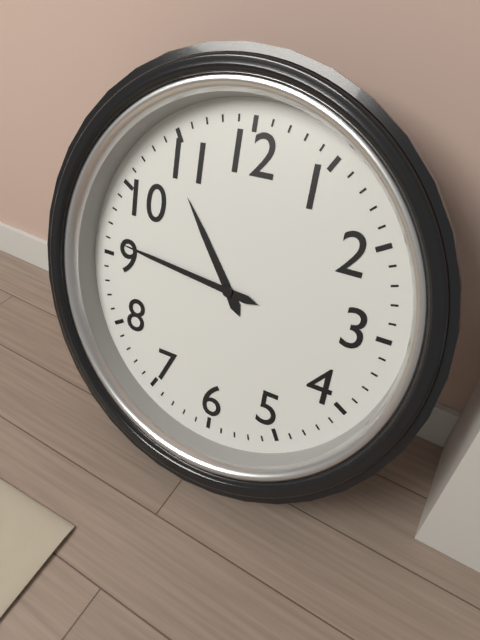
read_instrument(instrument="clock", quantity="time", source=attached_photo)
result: 10:46
